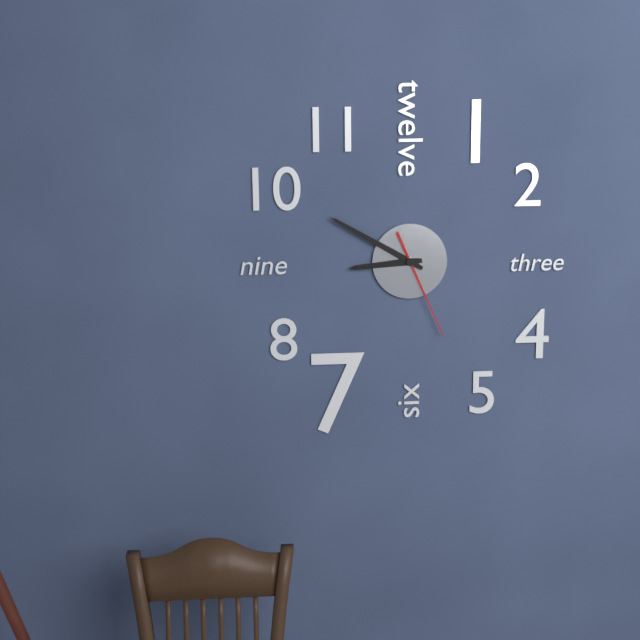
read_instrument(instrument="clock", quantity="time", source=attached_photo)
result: 8:50:26
